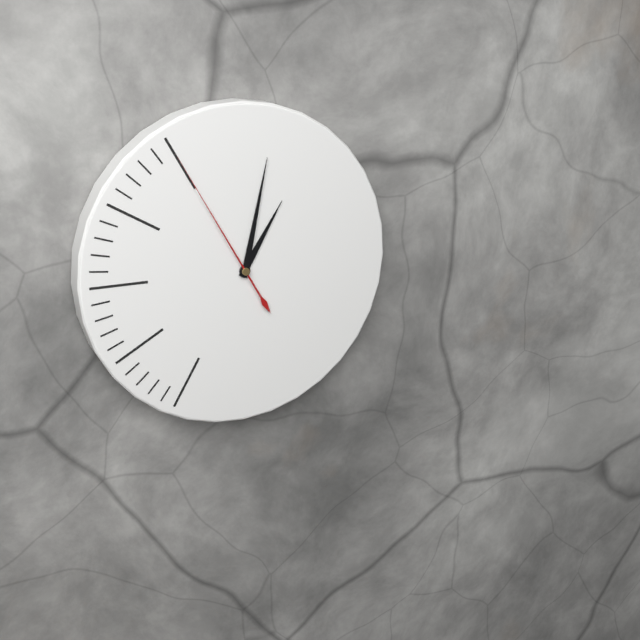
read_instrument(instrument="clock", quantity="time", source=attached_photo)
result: 1:02:55
